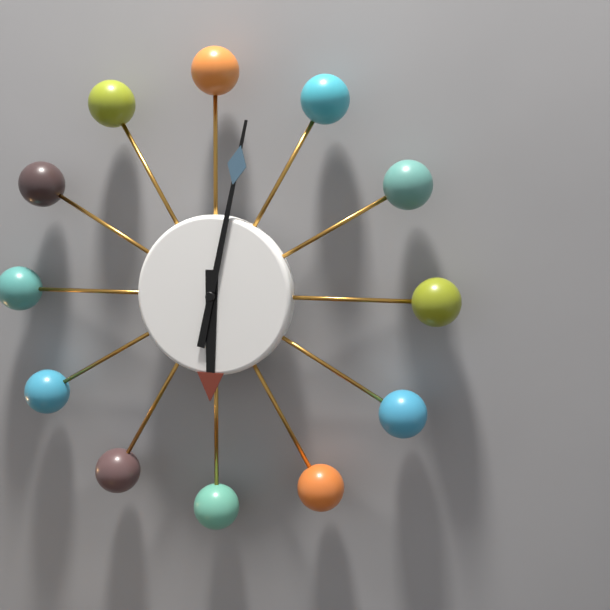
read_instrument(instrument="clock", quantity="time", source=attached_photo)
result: 6:02
